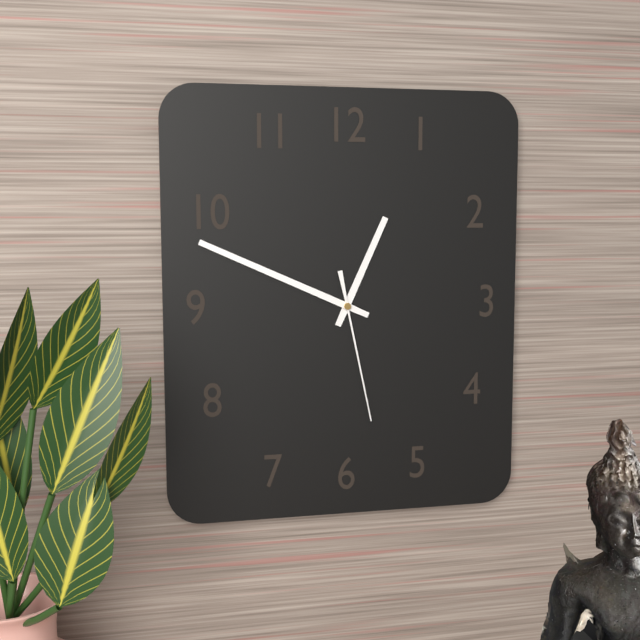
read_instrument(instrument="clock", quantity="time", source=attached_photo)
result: 12:49:28
